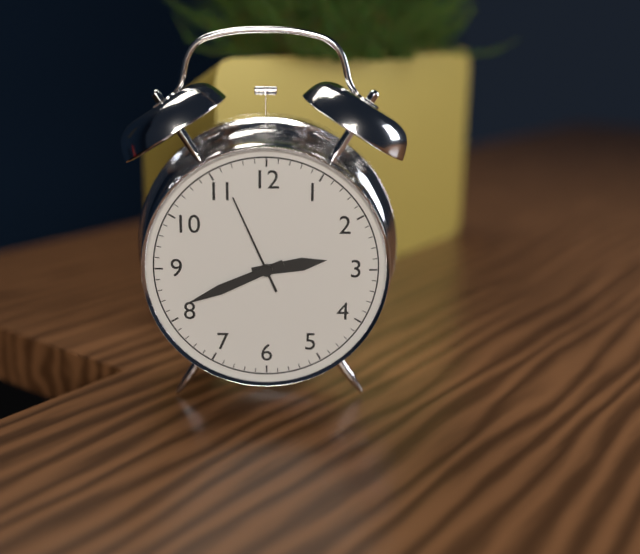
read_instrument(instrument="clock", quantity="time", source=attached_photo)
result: 2:41:56
